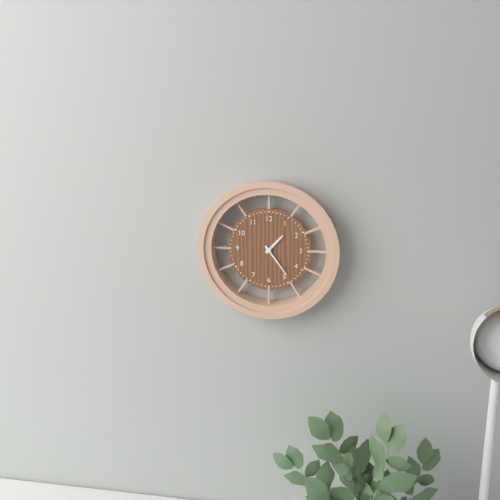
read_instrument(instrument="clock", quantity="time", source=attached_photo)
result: 1:24
